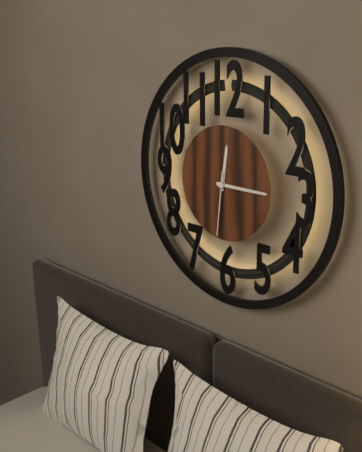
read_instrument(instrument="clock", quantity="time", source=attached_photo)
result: 12:15:31
